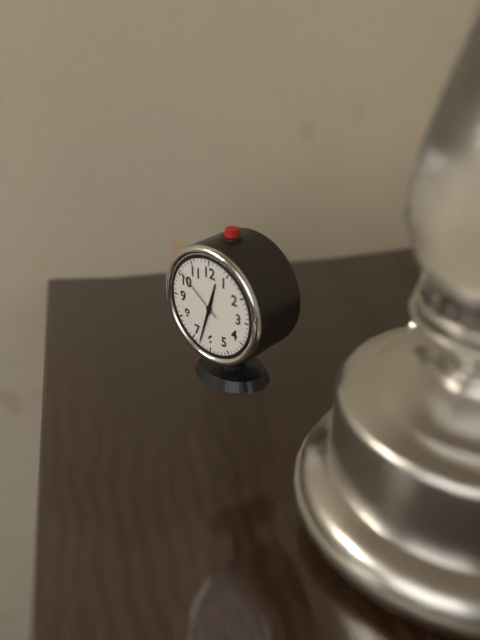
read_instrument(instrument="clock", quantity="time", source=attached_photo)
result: 12:33:51
